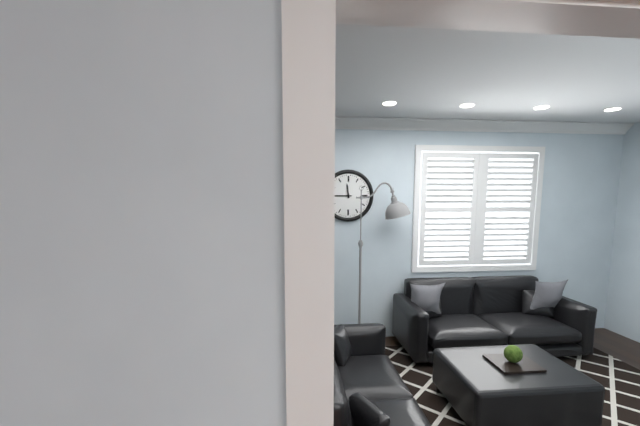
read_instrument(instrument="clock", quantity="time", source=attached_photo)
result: 11:45
